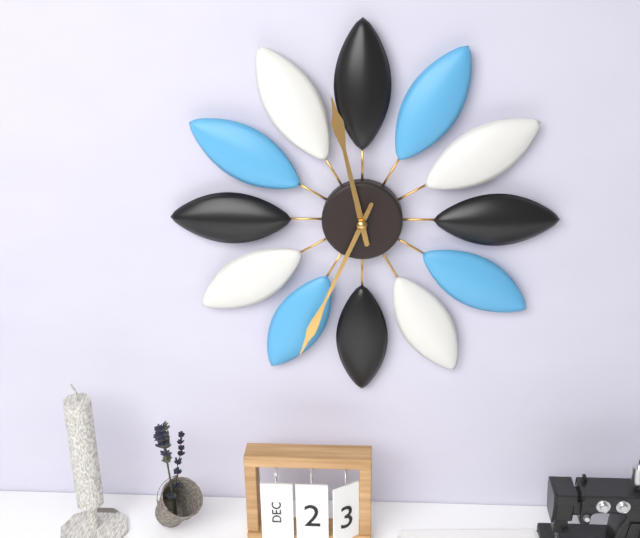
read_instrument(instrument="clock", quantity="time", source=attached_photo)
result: 11:34
